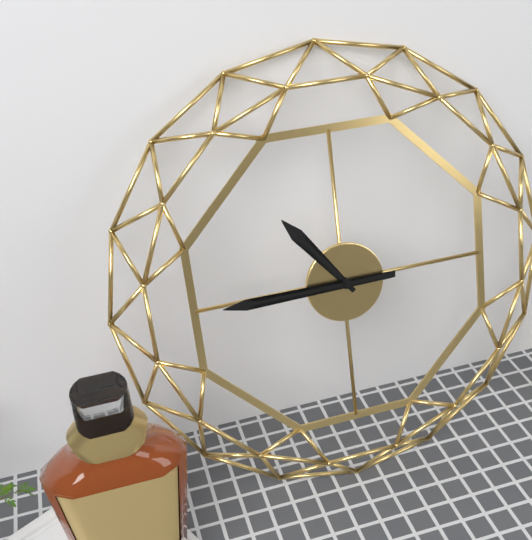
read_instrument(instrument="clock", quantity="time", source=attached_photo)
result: 10:45
